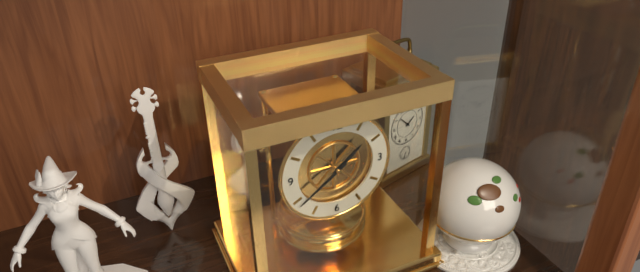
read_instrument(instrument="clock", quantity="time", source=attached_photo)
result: 1:39
